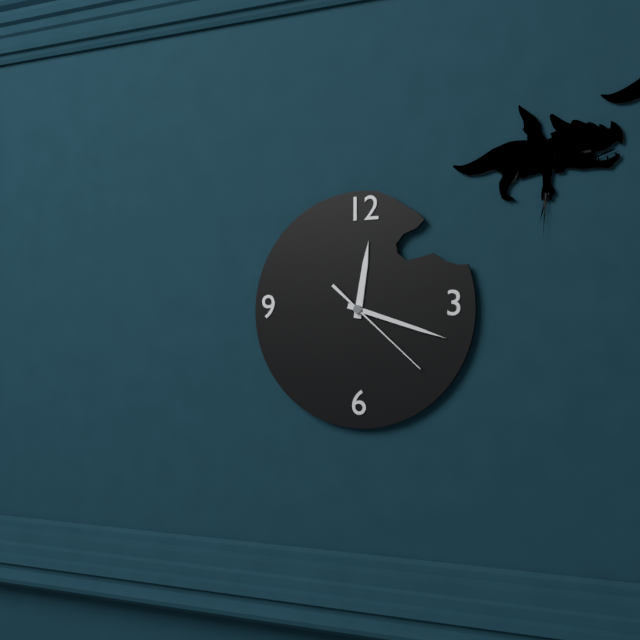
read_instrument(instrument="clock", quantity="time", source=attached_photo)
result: 12:18:22
